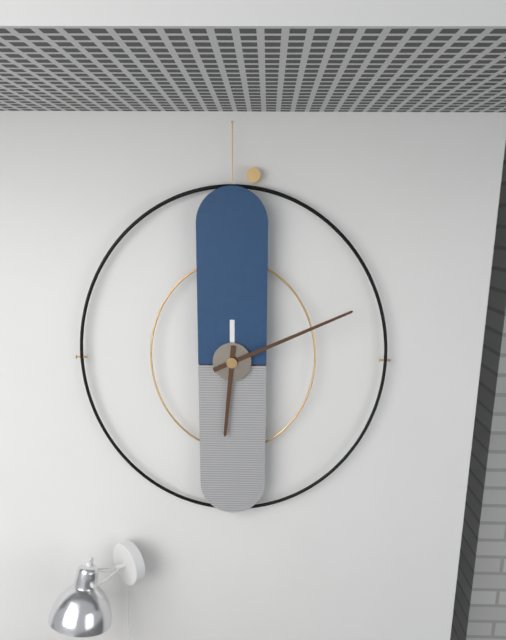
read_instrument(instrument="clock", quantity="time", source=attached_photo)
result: 6:11
